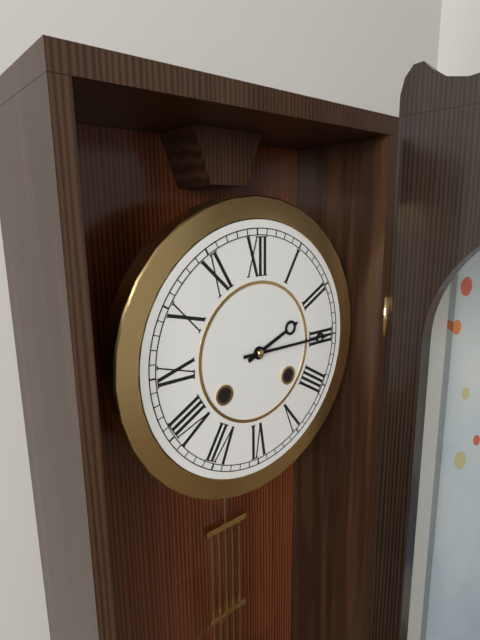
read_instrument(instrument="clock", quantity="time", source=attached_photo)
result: 2:15
